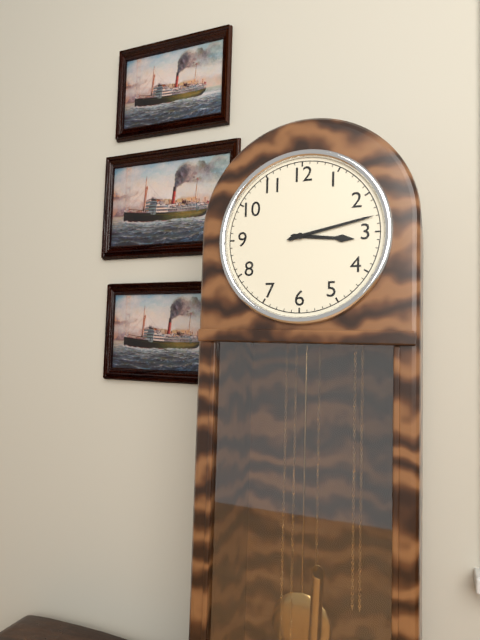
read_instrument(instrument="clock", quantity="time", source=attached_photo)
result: 3:13
